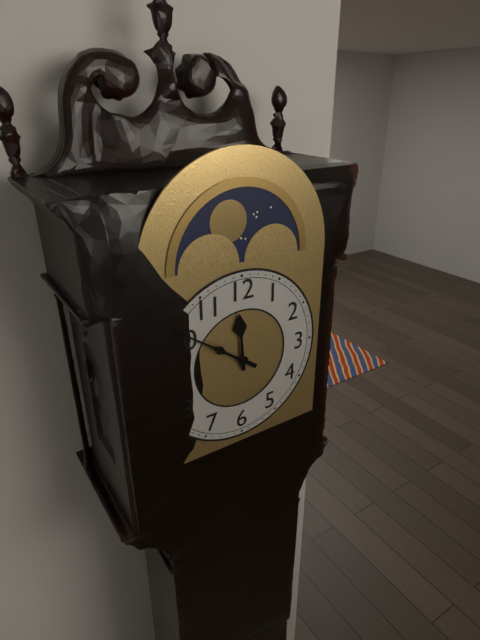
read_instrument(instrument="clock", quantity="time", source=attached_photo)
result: 11:51
